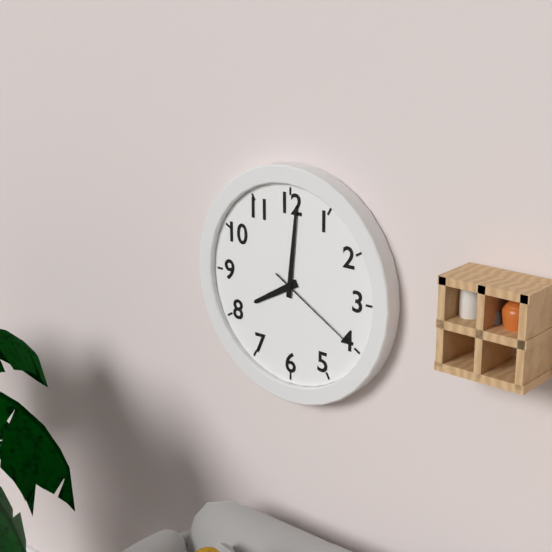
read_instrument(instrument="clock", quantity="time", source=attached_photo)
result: 8:01:20
